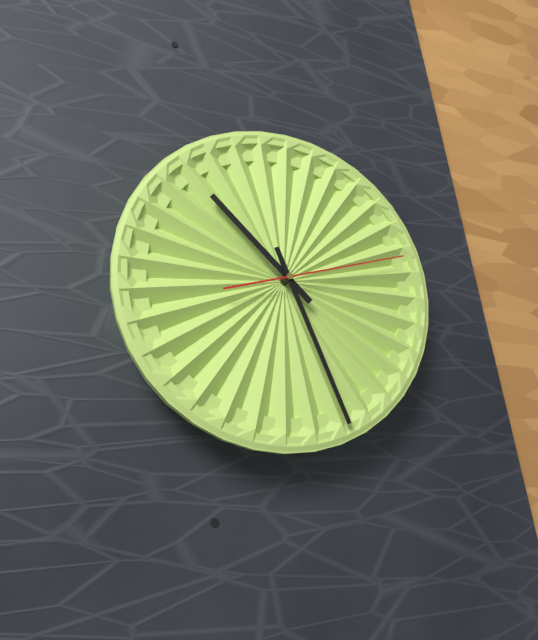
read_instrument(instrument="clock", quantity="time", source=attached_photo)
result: 10:26:12
